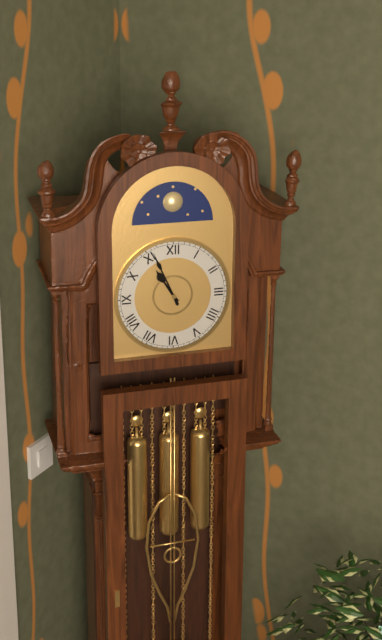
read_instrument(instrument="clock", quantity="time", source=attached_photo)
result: 10:56
